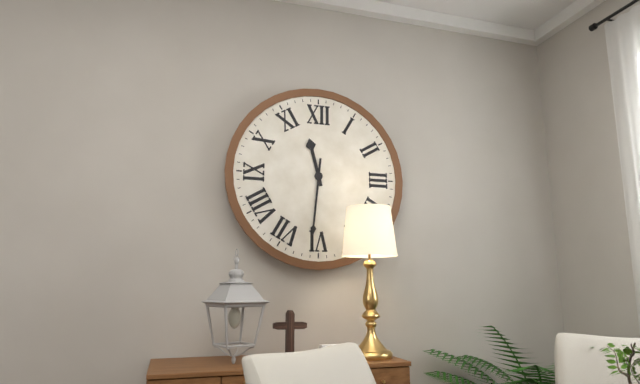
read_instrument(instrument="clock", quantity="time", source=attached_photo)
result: 11:31
